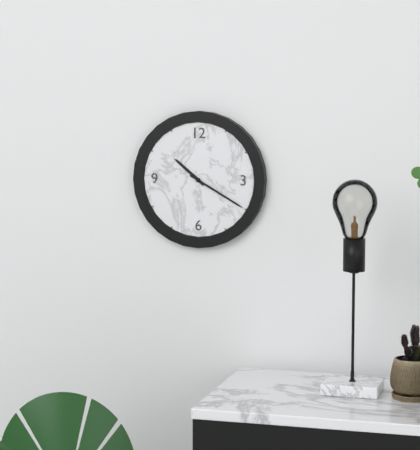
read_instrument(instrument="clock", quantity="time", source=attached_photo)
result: 10:20
